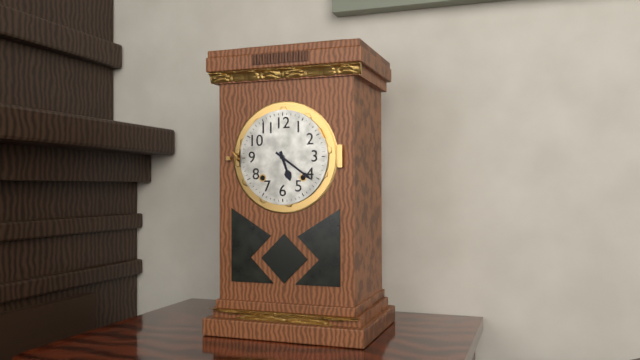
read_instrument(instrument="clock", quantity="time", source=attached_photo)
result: 5:21
